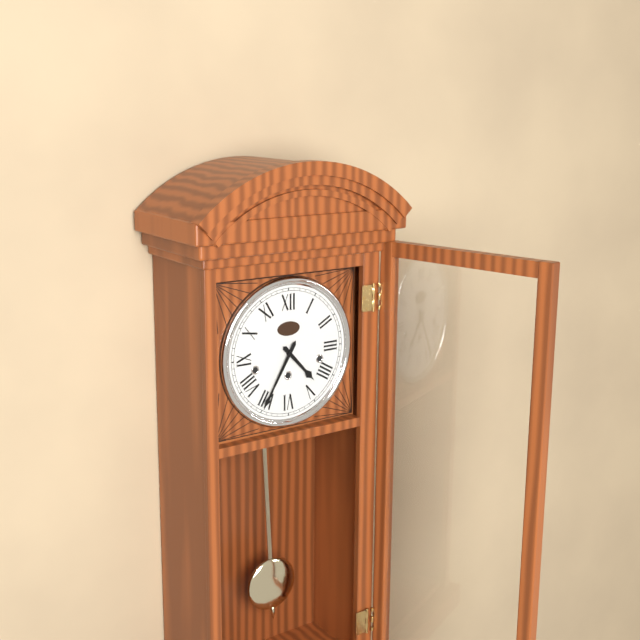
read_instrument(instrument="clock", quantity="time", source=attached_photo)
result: 4:35
